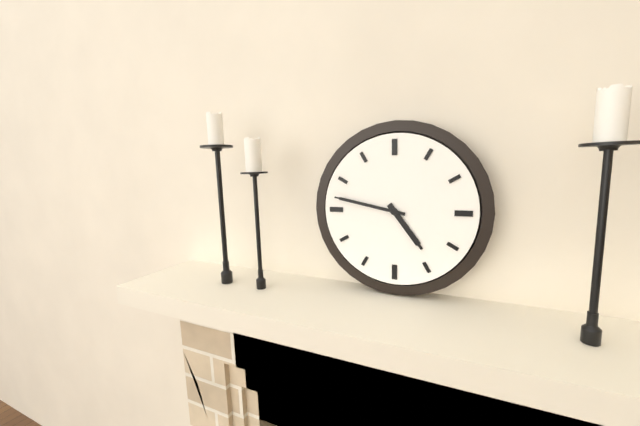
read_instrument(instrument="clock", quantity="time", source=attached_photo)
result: 4:47
